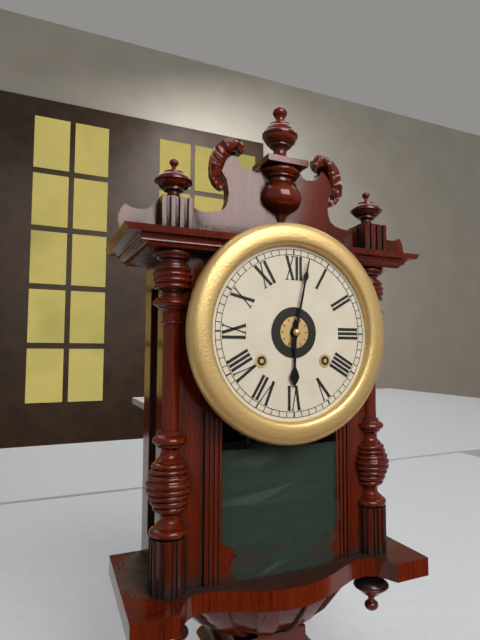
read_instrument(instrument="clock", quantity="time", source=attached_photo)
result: 6:02
